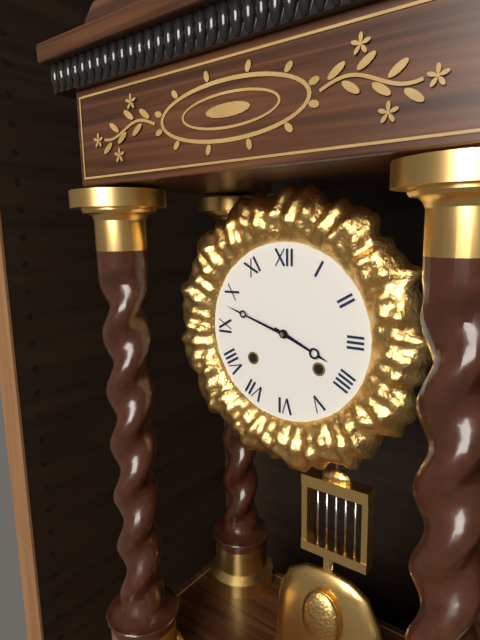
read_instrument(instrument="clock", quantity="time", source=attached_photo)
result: 3:48
